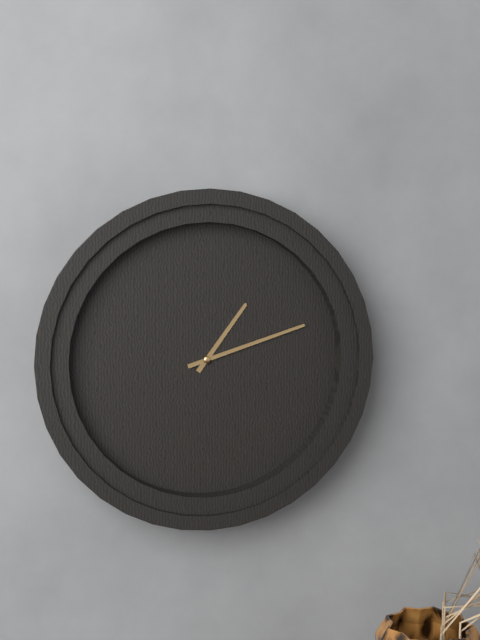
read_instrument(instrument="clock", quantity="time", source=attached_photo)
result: 1:12
